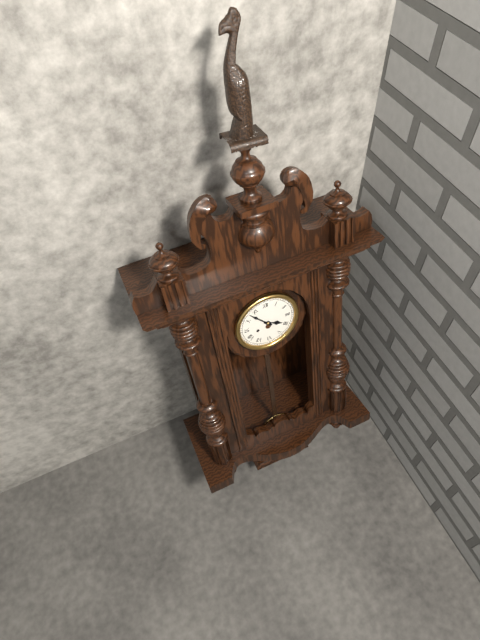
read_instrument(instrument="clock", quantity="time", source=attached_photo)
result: 3:53
